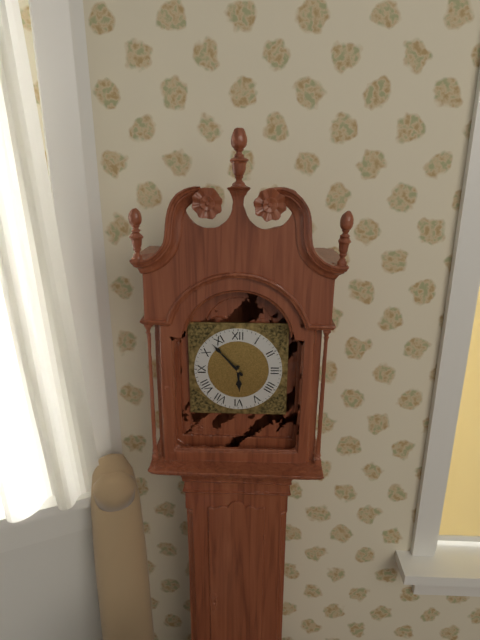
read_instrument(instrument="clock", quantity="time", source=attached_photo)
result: 5:53
